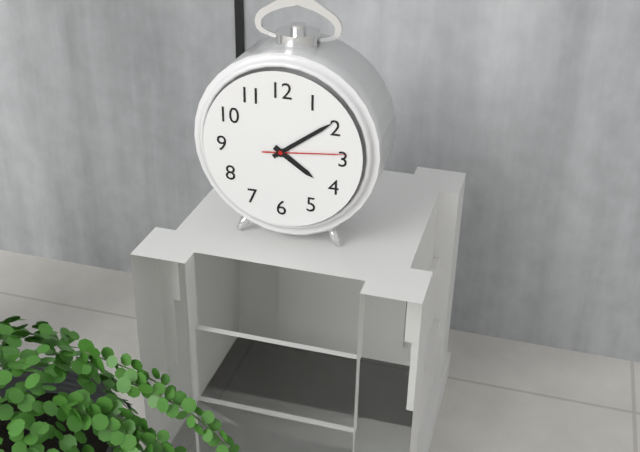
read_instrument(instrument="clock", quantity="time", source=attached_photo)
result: 4:09:14
